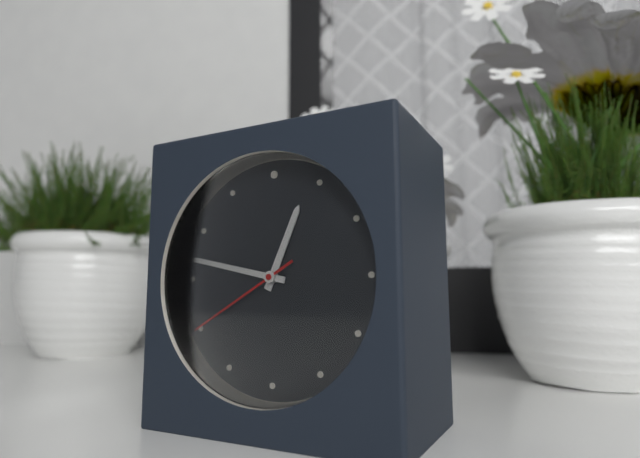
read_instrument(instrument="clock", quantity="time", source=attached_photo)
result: 12:47:40
